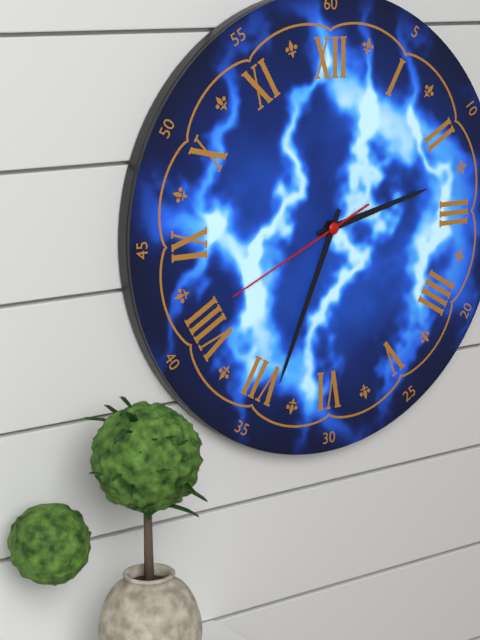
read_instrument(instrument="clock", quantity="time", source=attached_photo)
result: 2:34:41
